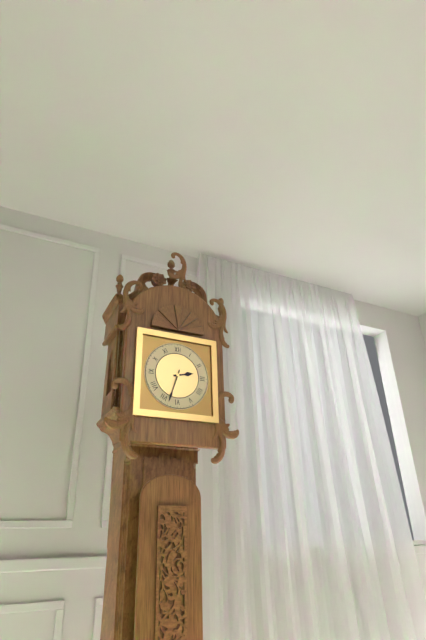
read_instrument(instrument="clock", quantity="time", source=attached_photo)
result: 2:33
